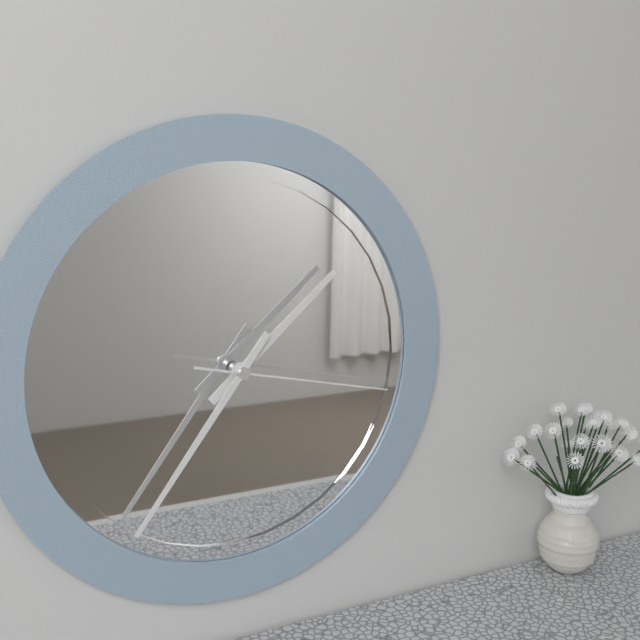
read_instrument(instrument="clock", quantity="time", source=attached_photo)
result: 1:36:17
